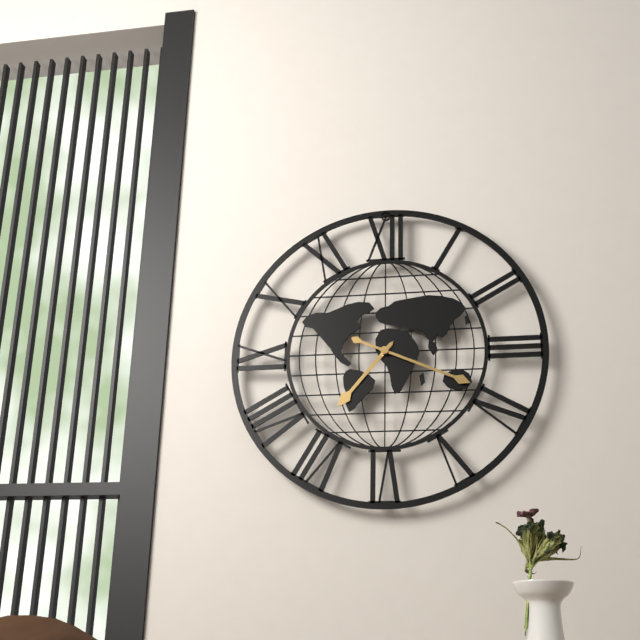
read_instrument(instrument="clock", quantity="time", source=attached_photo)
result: 7:19
